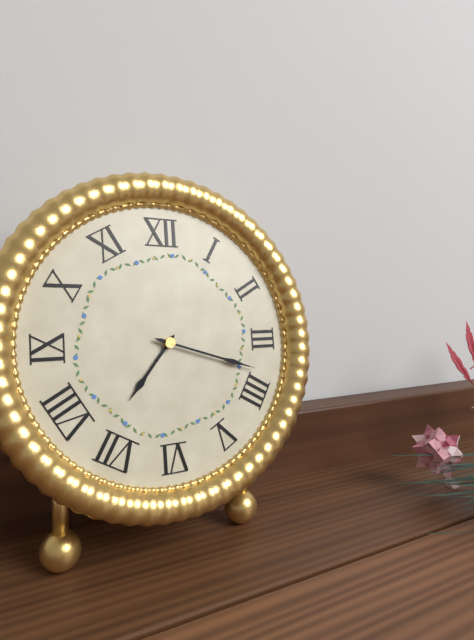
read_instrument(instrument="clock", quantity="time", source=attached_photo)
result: 7:18
